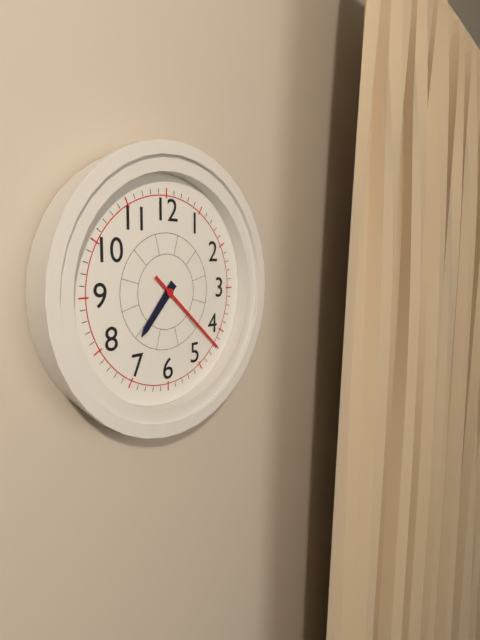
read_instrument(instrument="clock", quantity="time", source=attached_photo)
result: 7:22
